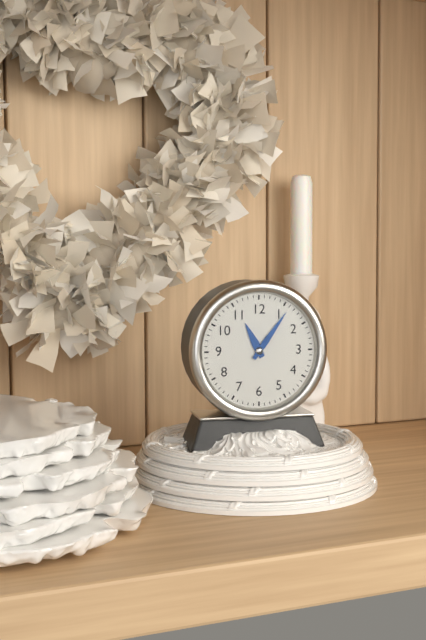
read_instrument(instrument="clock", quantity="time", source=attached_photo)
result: 11:06
